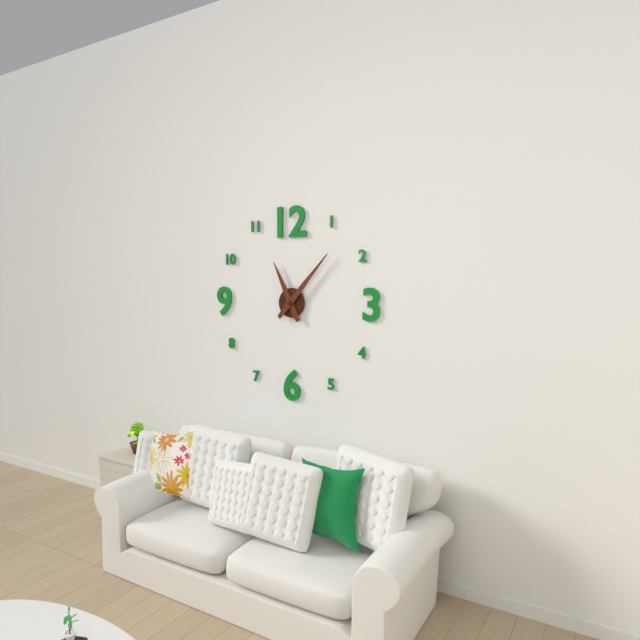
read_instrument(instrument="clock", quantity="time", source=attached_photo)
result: 11:07
